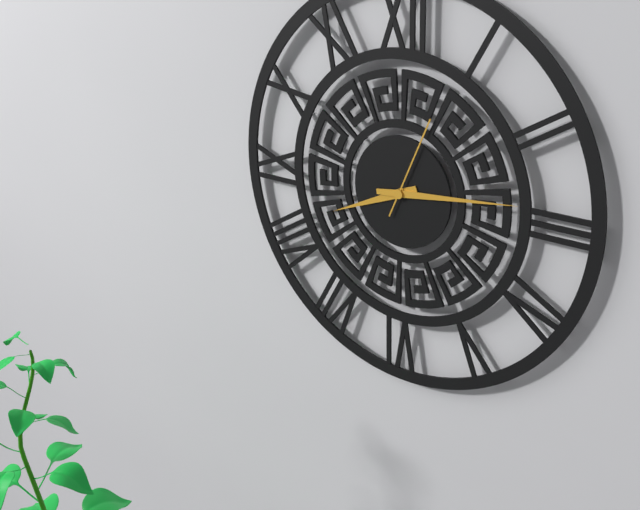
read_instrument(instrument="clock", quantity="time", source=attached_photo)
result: 8:14:04
